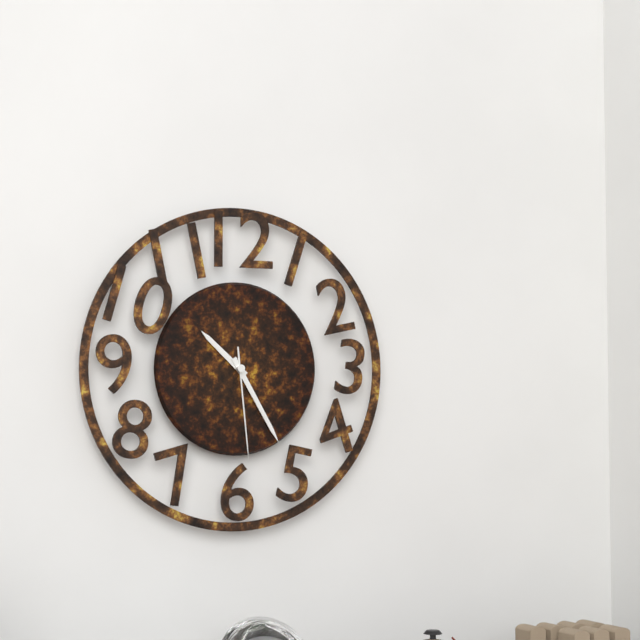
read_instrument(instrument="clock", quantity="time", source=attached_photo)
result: 10:25:29
